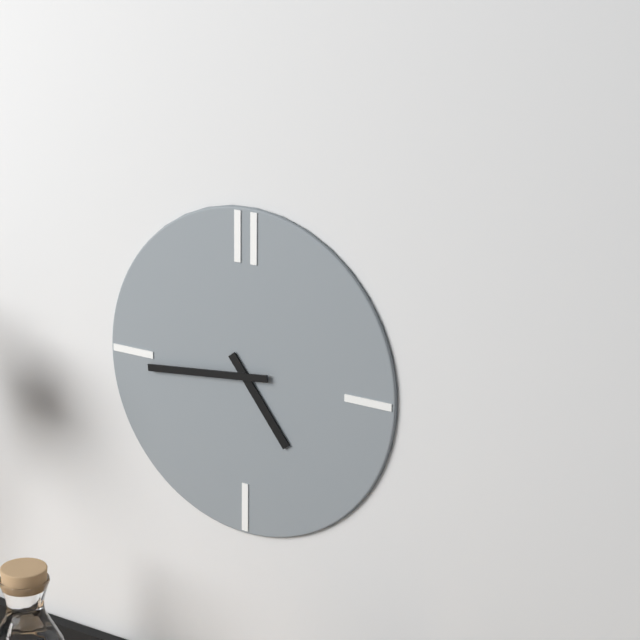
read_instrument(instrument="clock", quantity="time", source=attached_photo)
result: 4:44
